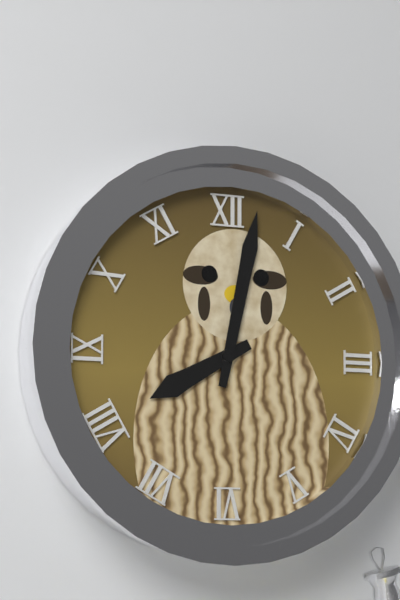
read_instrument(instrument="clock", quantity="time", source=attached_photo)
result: 8:02
